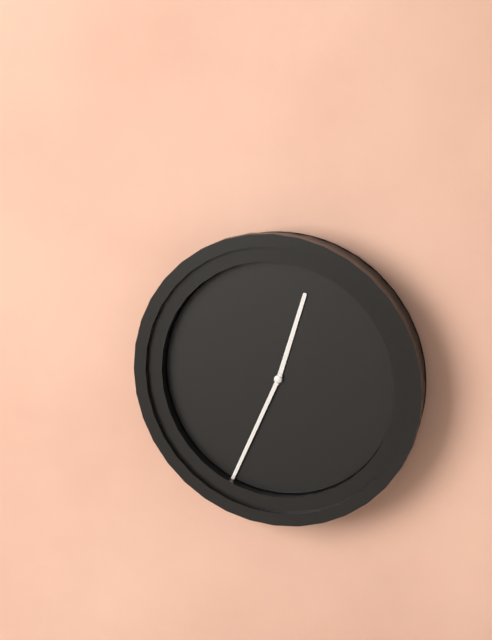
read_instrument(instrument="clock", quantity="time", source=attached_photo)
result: 12:34
